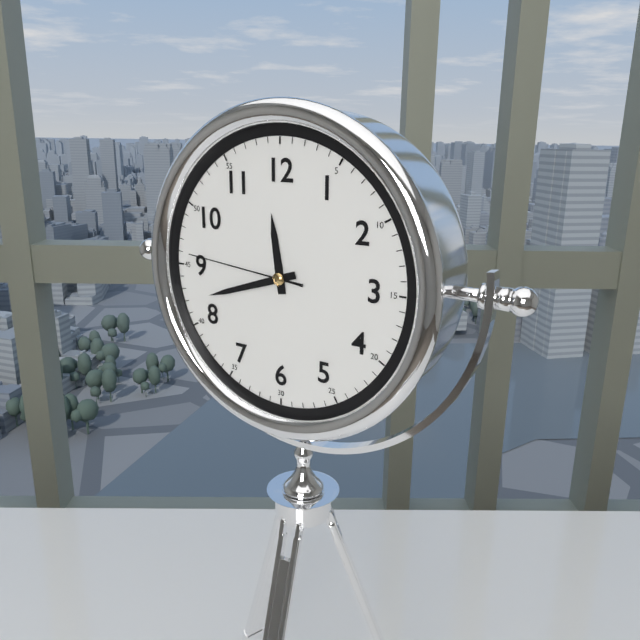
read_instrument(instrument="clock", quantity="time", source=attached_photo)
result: 11:42:46
